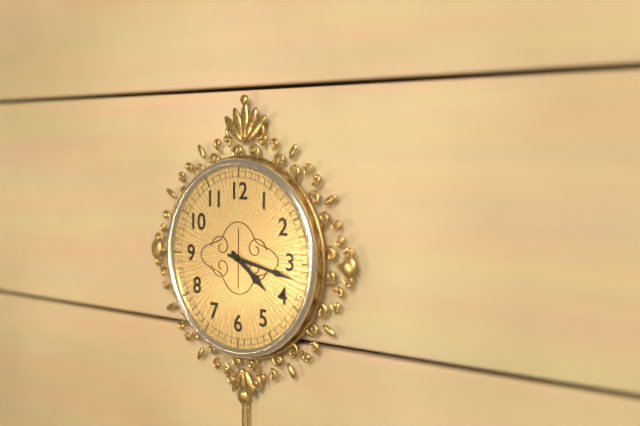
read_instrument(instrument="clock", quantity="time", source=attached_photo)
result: 4:17
